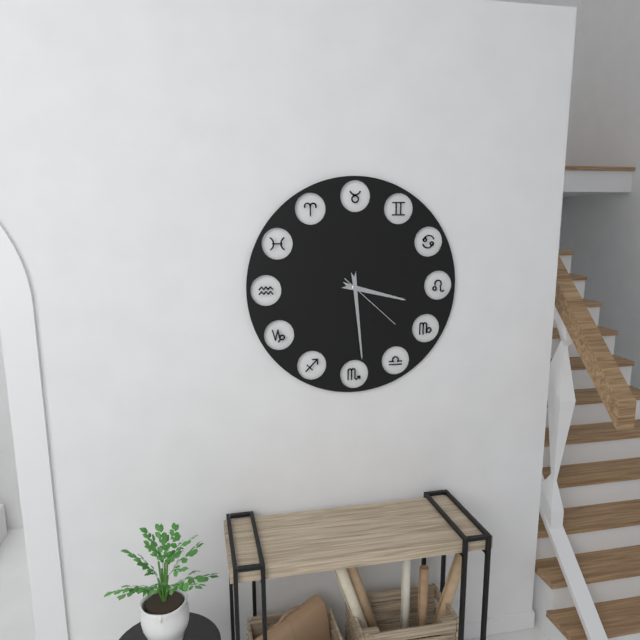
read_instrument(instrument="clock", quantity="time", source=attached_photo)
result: 3:29:22
